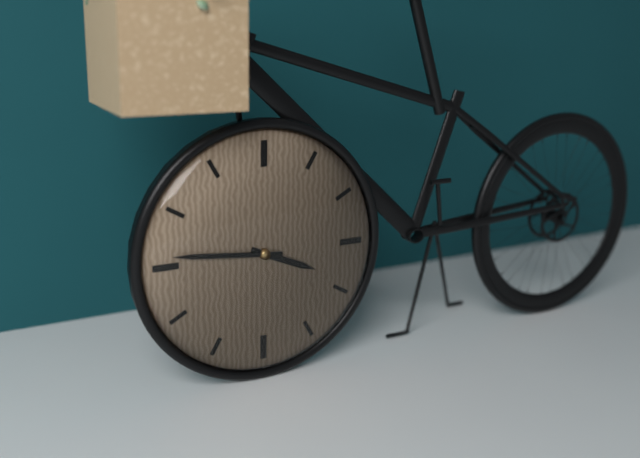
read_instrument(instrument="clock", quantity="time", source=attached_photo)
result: 3:46
